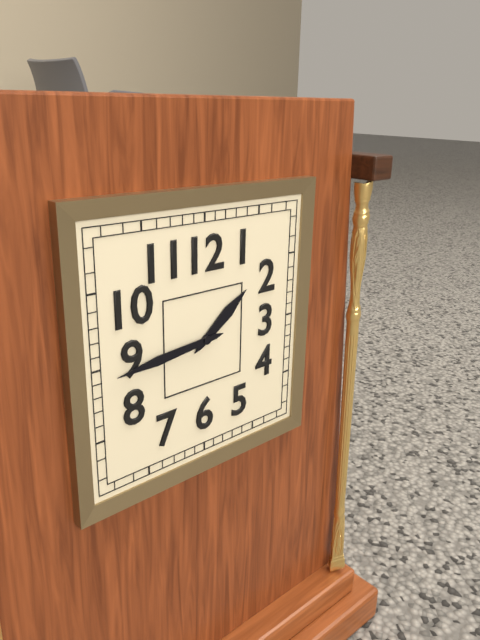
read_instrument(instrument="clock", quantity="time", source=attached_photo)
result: 1:44
